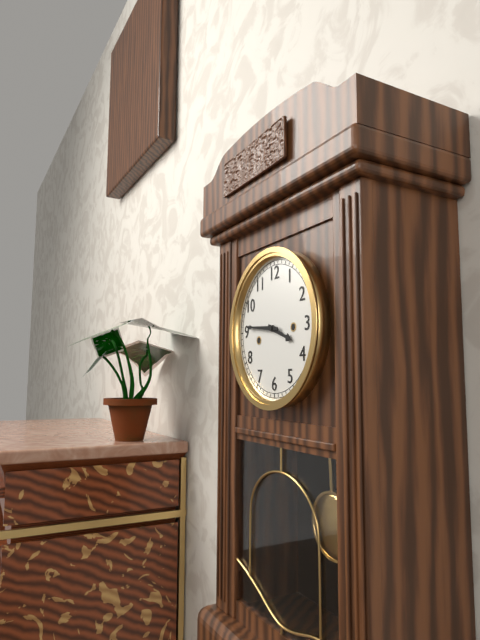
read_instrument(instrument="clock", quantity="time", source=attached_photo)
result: 3:46
